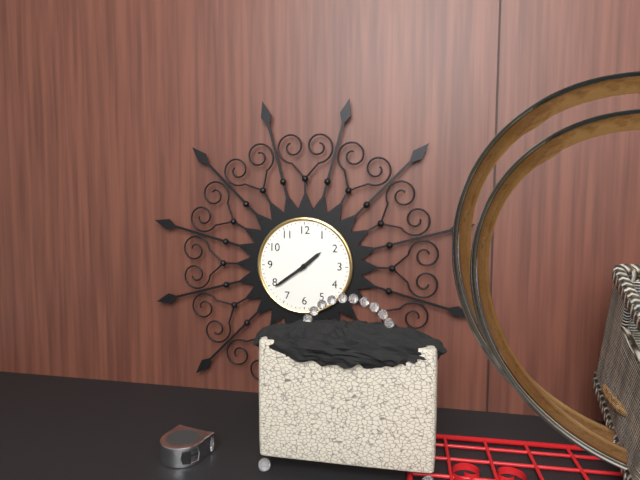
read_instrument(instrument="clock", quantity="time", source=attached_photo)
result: 1:39
